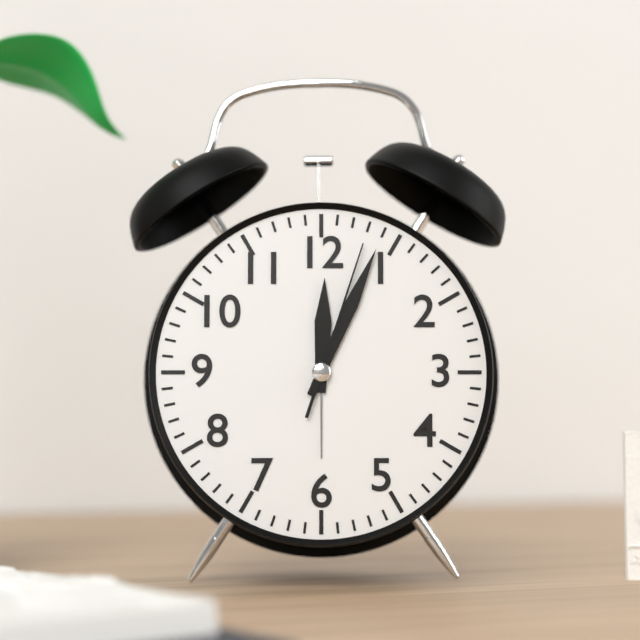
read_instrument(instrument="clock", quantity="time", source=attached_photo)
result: 12:04:03
